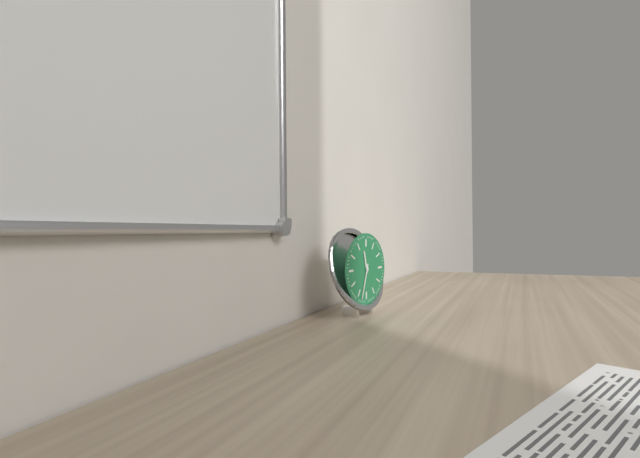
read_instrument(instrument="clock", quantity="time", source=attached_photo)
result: 11:33
